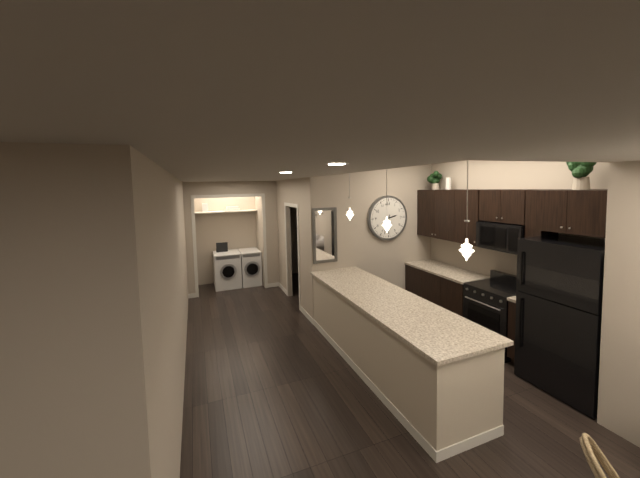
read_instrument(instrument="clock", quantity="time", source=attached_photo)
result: 2:33
